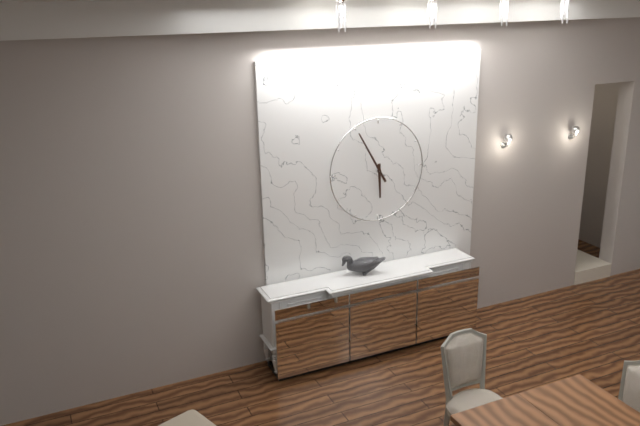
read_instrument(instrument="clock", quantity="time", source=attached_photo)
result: 5:55
